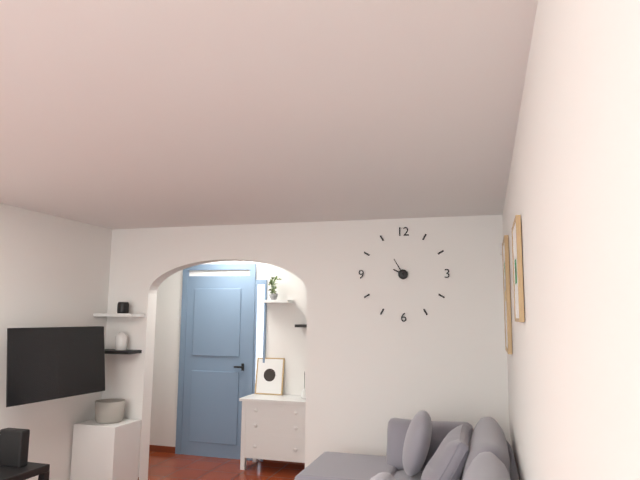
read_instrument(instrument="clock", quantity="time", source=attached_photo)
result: 9:55
